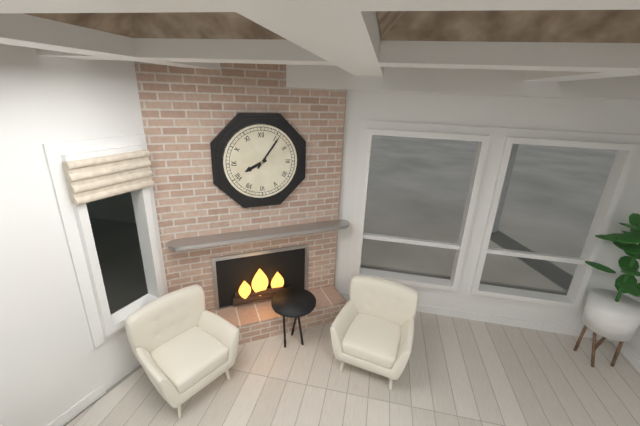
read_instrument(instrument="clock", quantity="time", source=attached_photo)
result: 8:06
